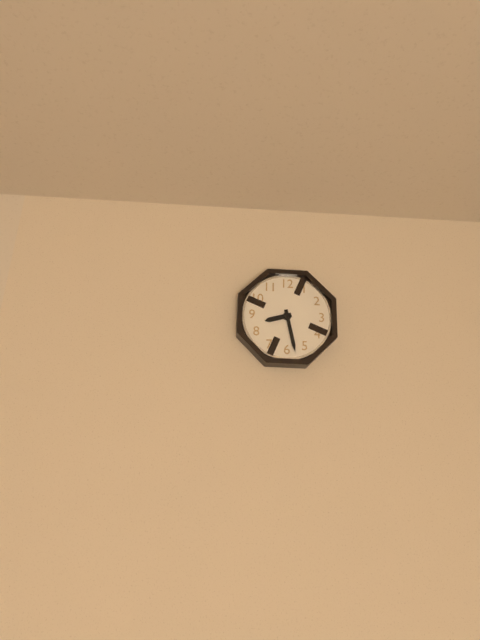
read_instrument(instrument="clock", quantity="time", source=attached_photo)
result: 8:28
